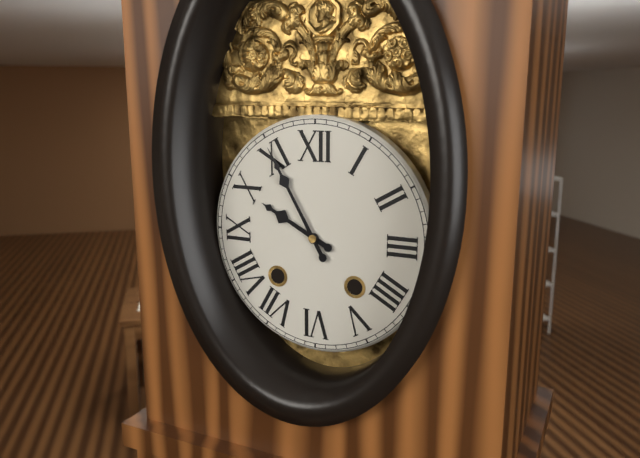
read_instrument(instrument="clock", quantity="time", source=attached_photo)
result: 9:55
